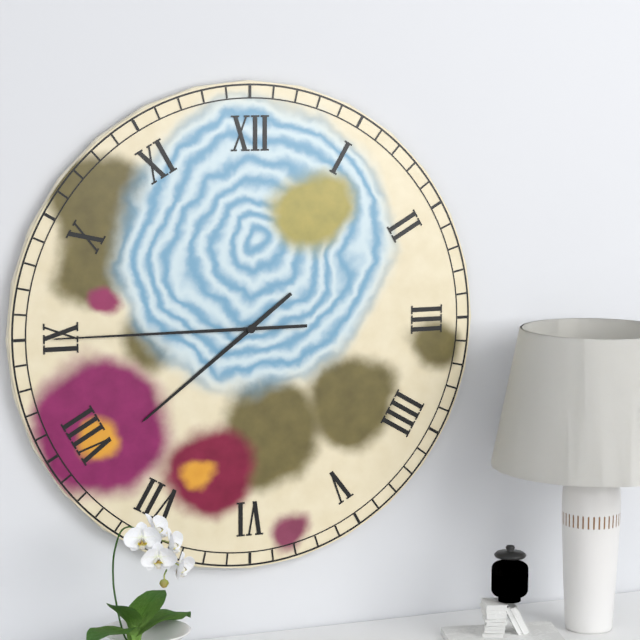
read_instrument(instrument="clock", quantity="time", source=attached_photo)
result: 7:45
